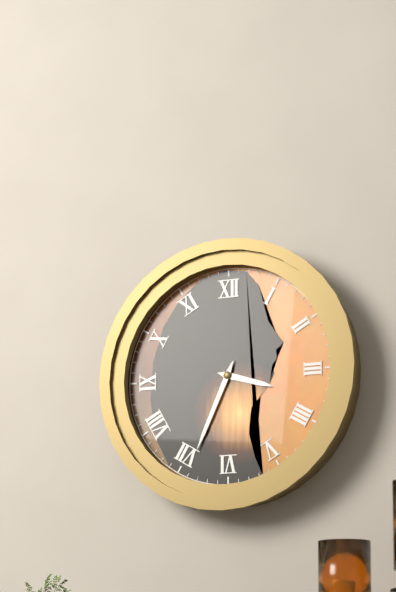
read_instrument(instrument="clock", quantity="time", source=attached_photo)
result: 3:34
